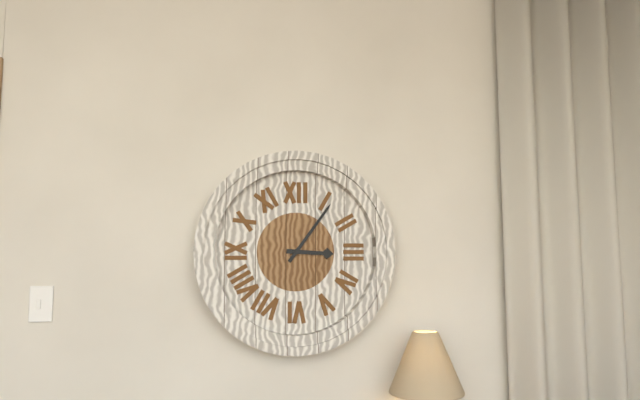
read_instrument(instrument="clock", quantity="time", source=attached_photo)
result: 3:06
